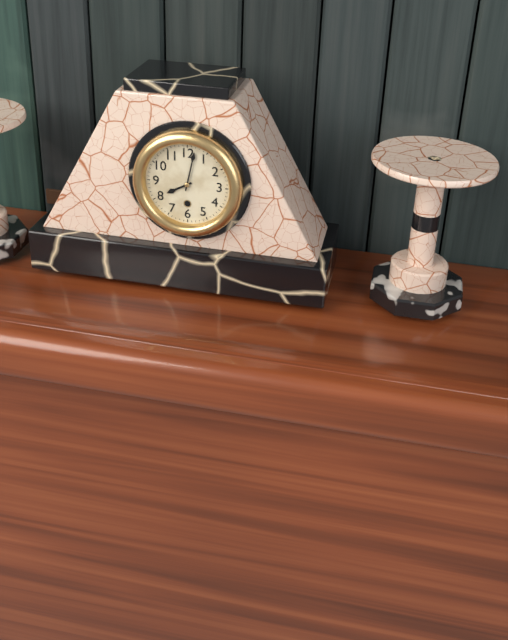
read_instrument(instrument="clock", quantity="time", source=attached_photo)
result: 8:02
